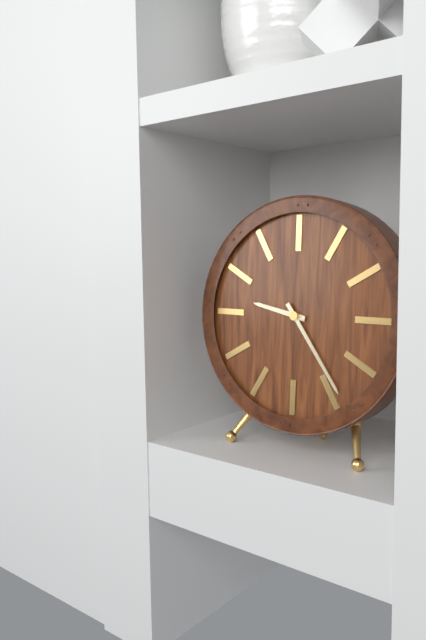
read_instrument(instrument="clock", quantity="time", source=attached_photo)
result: 9:24
